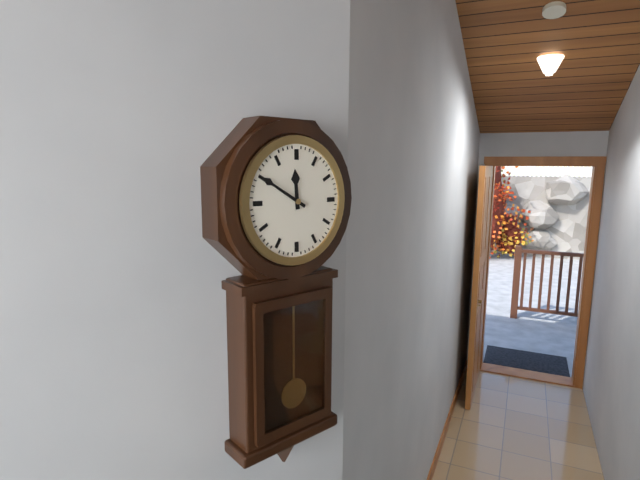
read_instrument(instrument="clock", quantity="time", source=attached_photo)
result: 11:50
